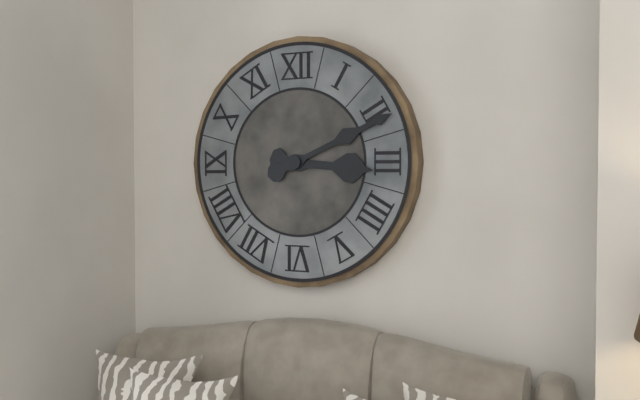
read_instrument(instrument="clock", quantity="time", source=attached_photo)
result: 3:11
